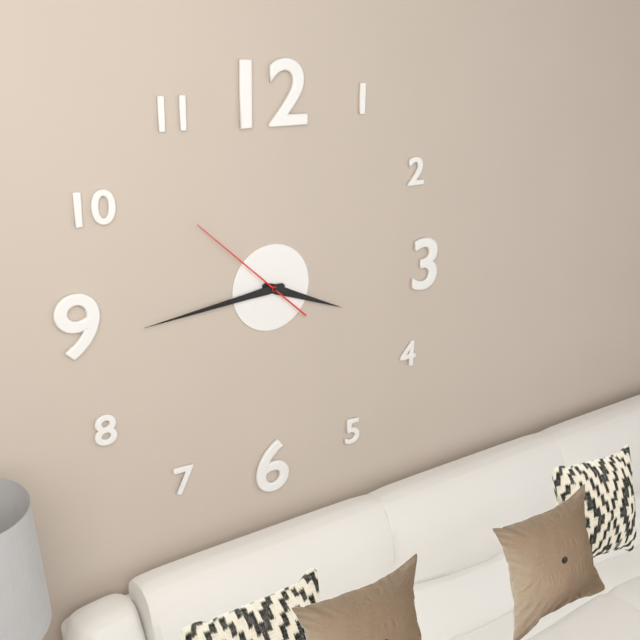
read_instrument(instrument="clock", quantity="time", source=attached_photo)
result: 3:44:52
